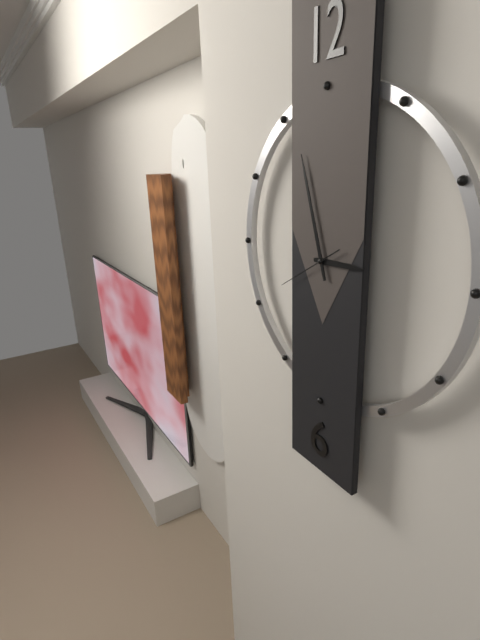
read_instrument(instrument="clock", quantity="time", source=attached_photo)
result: 2:57:40
